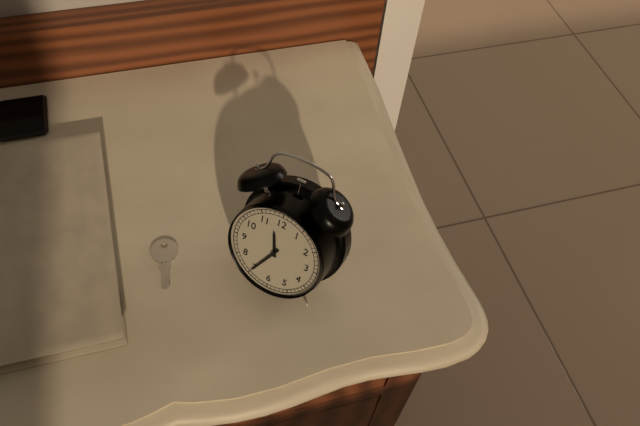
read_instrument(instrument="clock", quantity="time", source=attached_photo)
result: 11:35
